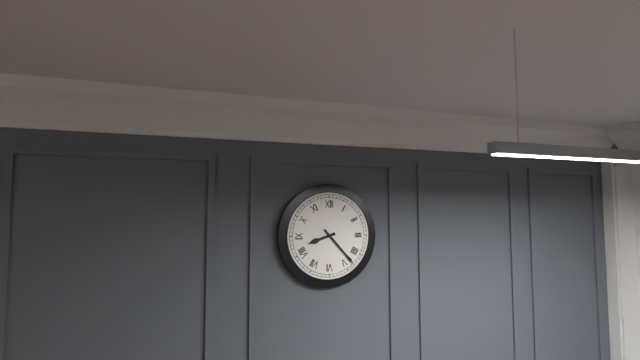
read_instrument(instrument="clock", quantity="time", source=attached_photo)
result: 8:23
